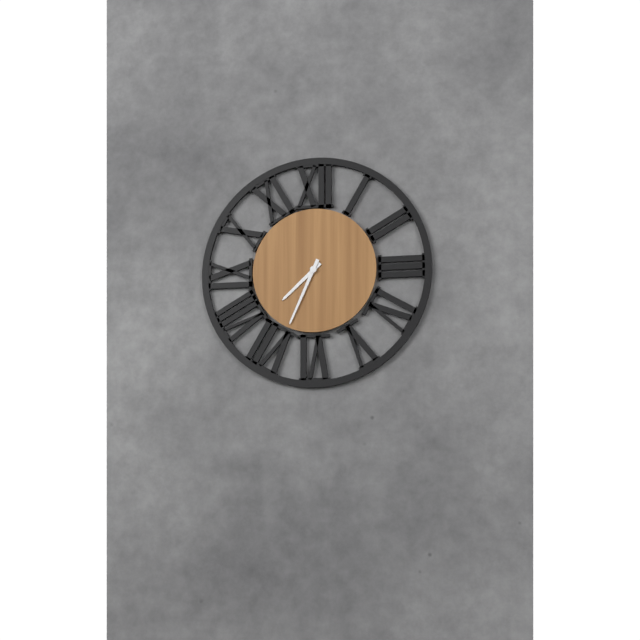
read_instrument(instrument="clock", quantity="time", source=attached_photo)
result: 7:34
